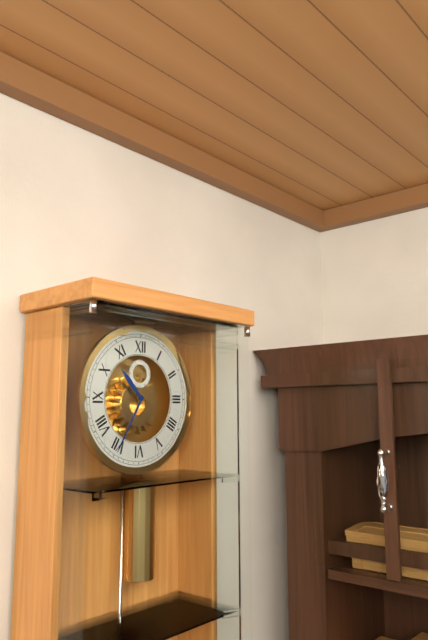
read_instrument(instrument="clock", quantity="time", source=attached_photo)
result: 10:35
